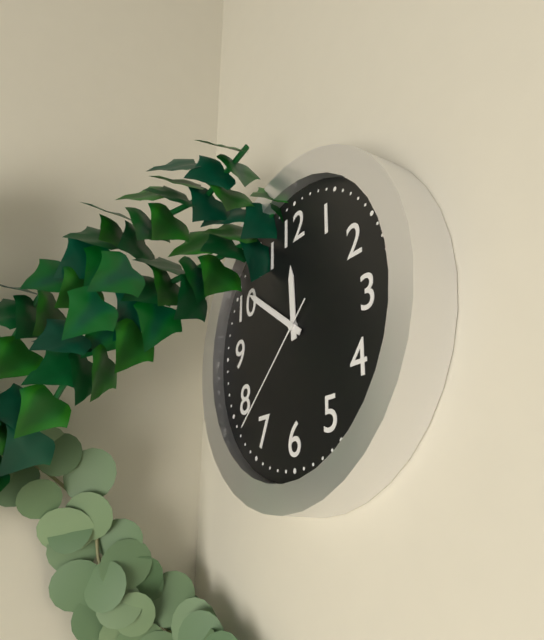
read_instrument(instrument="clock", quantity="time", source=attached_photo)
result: 11:51:38
